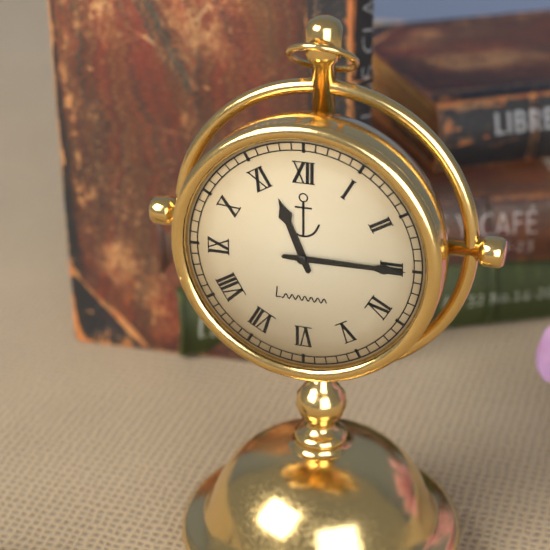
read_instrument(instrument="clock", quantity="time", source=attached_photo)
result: 11:15
